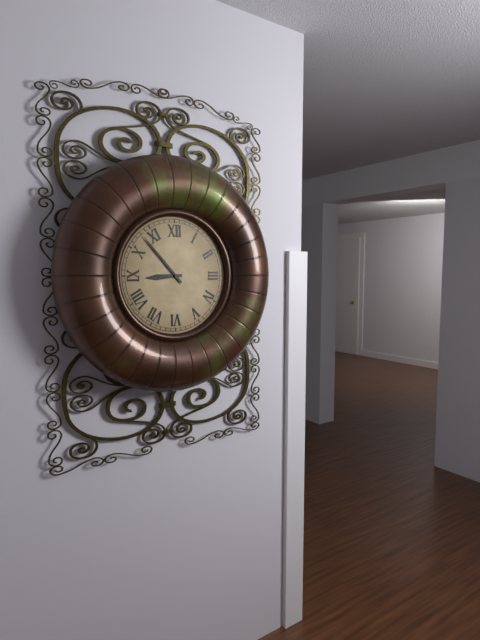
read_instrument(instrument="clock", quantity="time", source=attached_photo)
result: 8:53
